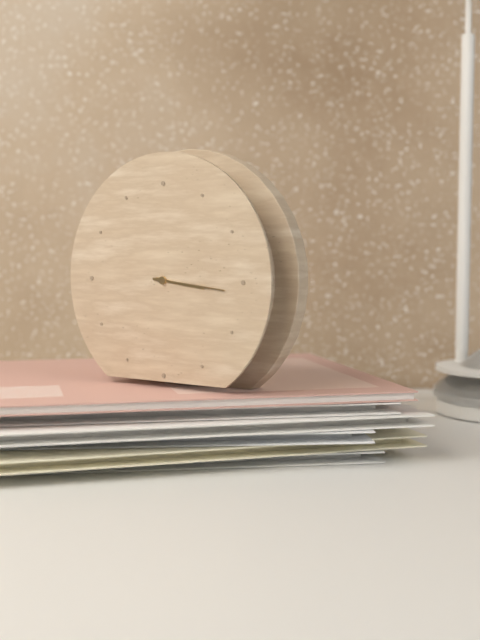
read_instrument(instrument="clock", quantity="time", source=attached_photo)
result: 3:16
